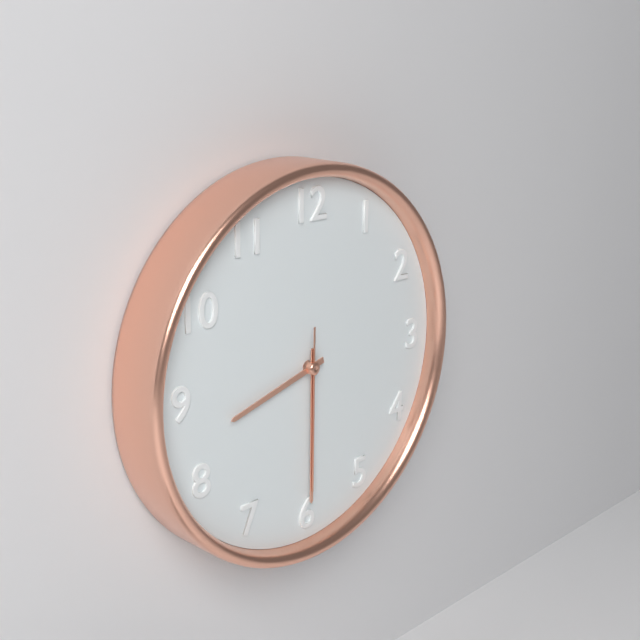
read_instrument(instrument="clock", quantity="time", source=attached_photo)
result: 8:30:30
